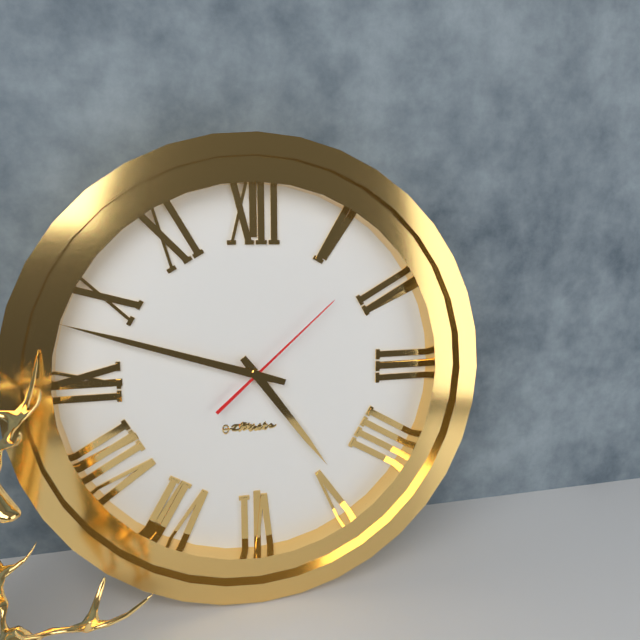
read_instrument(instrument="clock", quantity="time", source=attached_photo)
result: 4:48:08
